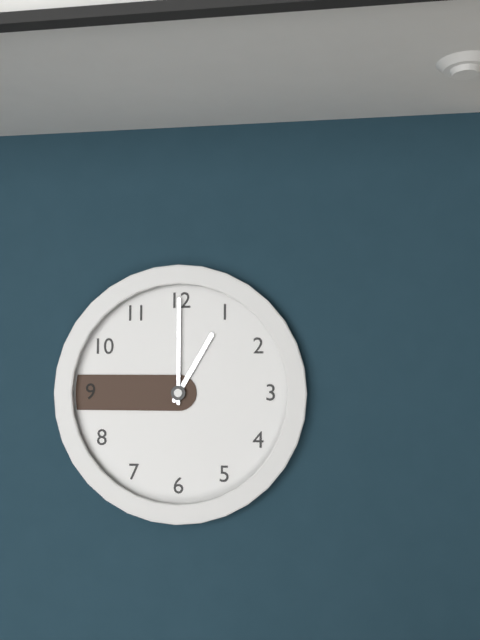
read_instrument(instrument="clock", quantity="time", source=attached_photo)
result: 1:00
